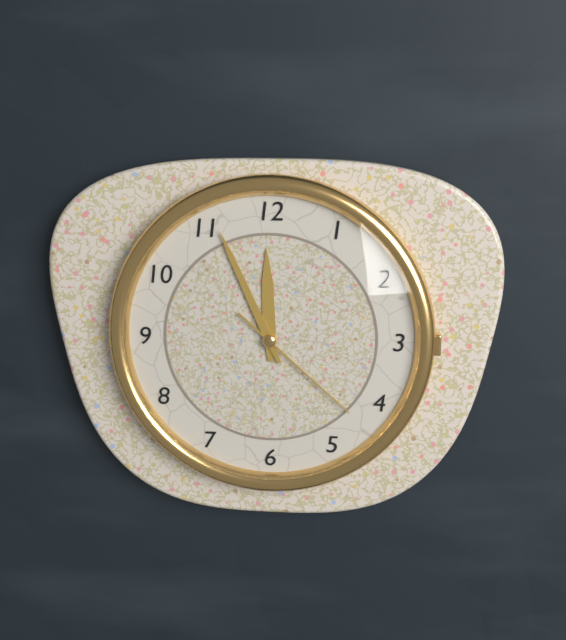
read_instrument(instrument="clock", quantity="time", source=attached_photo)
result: 11:56:22
